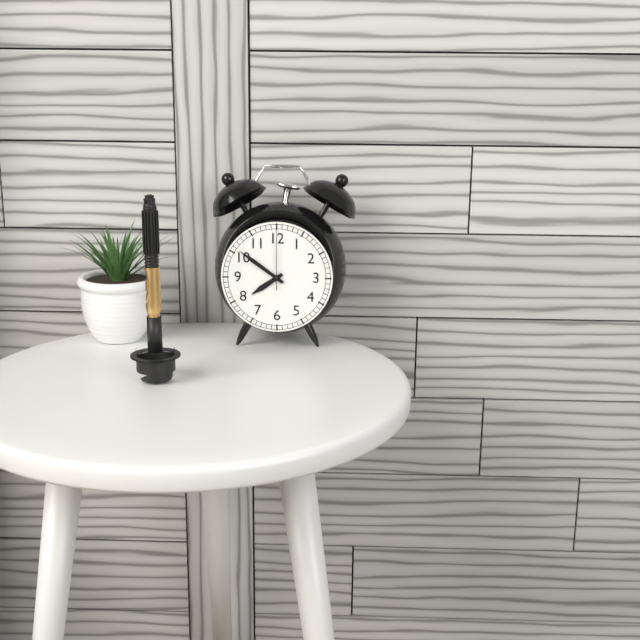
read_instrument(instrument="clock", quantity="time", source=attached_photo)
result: 7:51:00
